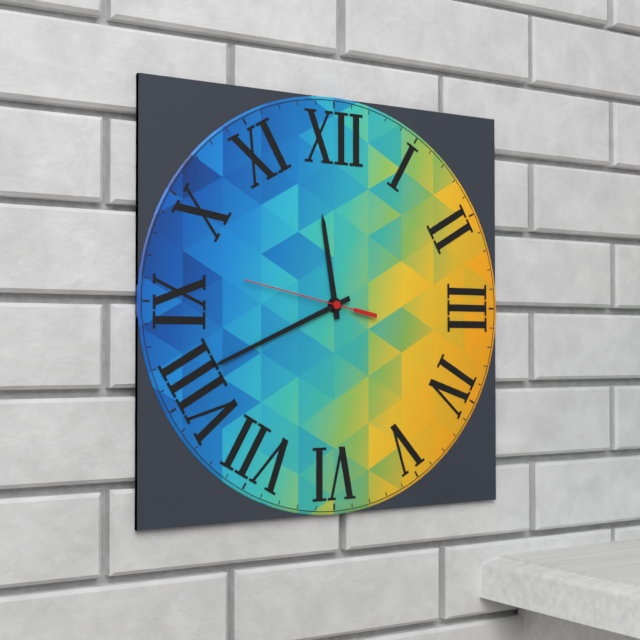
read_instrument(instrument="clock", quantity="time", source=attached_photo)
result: 11:41:47
